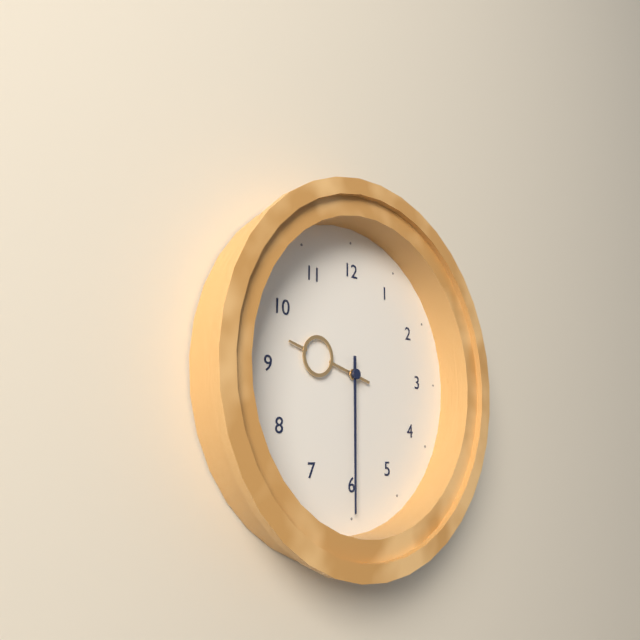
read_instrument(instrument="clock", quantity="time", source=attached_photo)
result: 9:30
